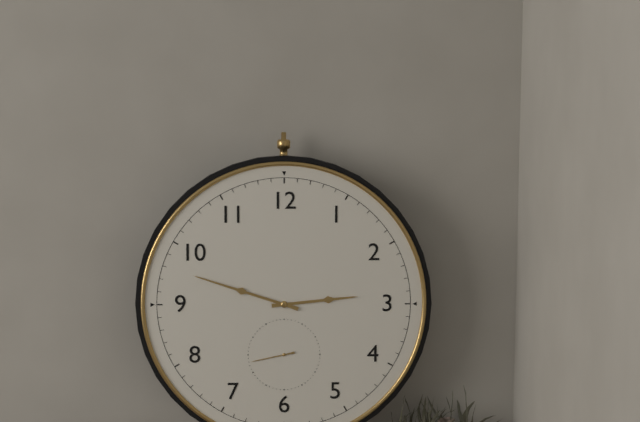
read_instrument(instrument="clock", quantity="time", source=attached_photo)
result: 2:48
